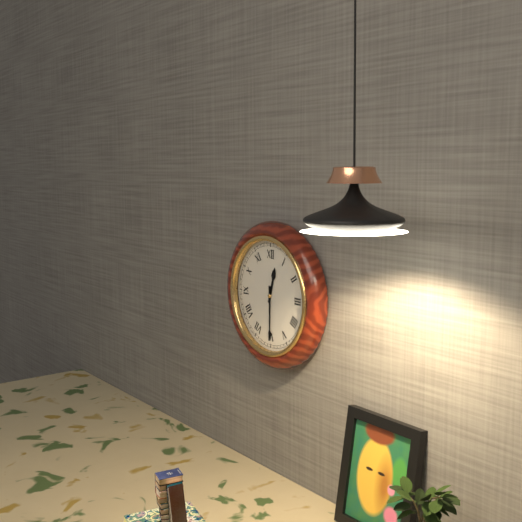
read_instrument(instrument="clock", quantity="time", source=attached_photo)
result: 12:30
